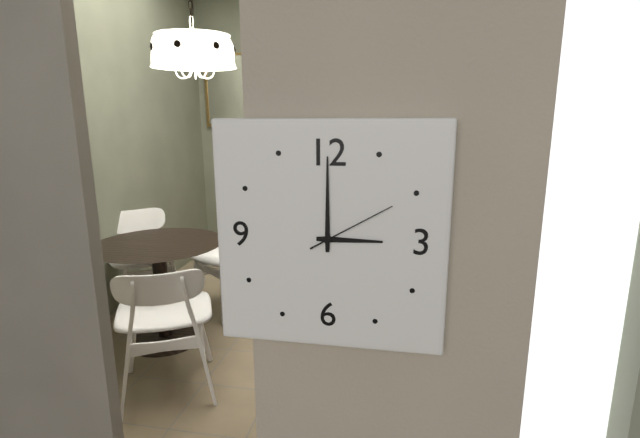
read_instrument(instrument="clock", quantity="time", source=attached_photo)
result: 3:00:10
